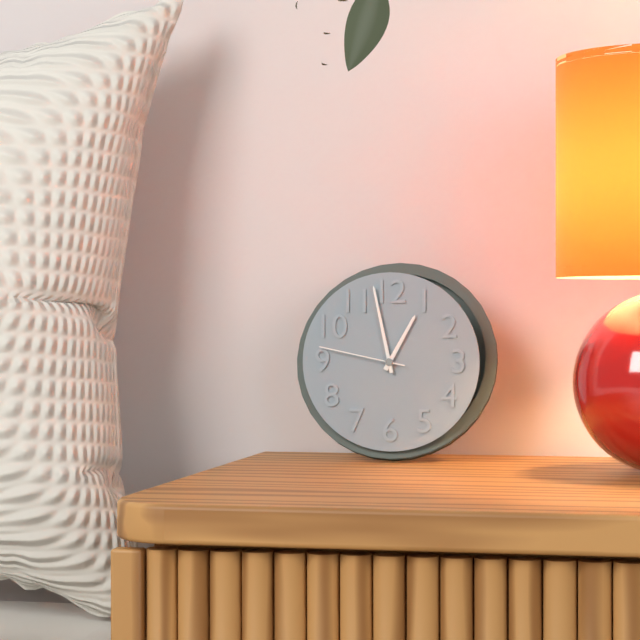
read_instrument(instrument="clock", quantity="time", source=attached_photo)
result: 12:58:47
